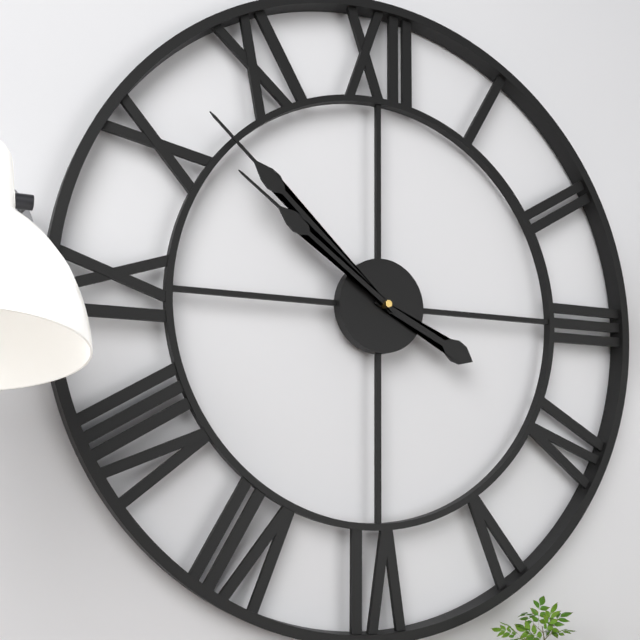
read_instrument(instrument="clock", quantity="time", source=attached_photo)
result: 3:52:51
